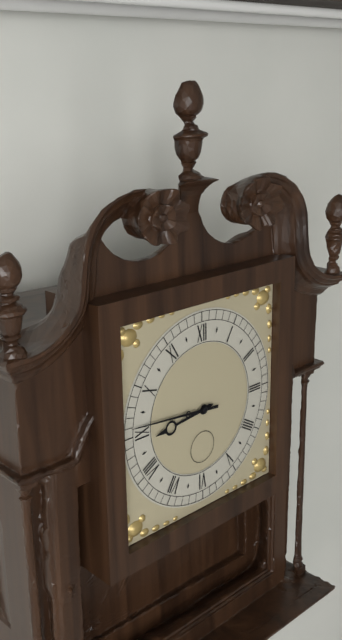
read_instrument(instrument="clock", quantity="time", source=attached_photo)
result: 8:46
